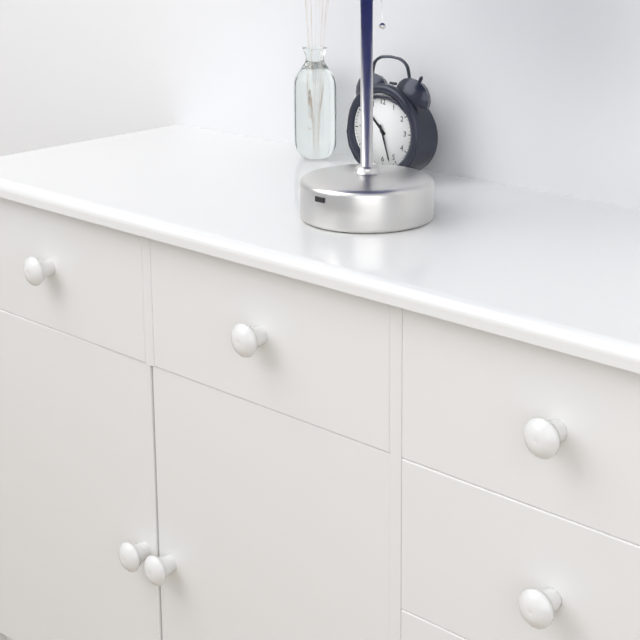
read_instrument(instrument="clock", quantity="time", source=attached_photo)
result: 10:27
